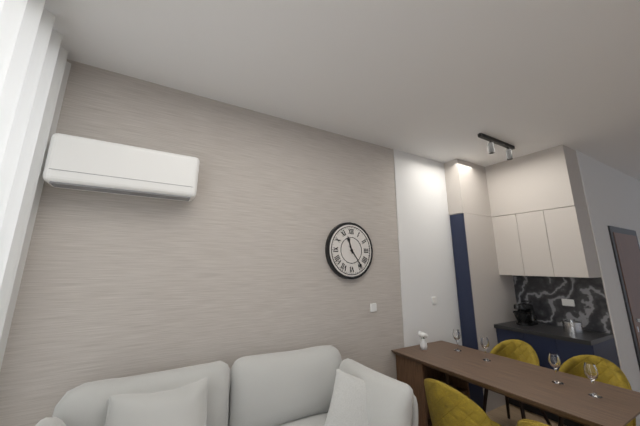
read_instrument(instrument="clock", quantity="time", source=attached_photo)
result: 11:24
